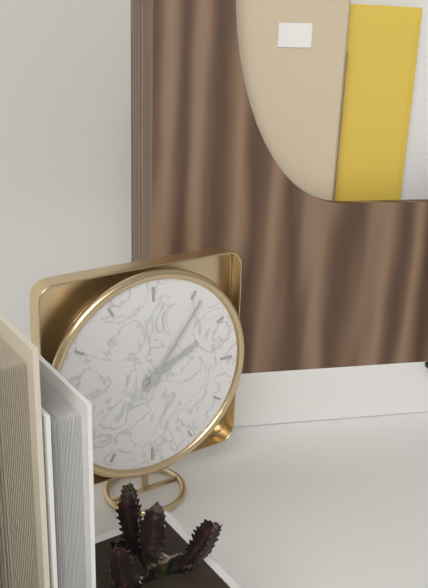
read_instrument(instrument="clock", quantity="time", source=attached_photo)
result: 2:06
